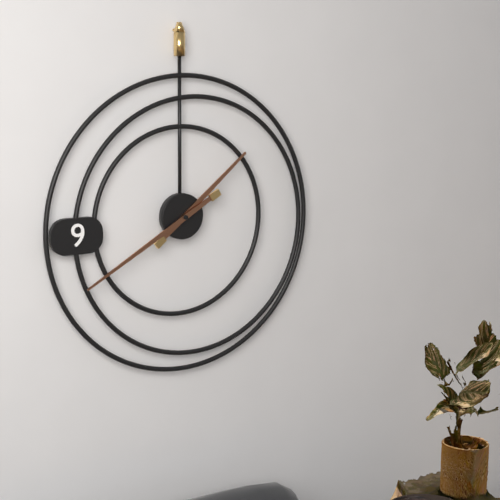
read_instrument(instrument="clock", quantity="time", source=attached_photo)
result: 1:40
